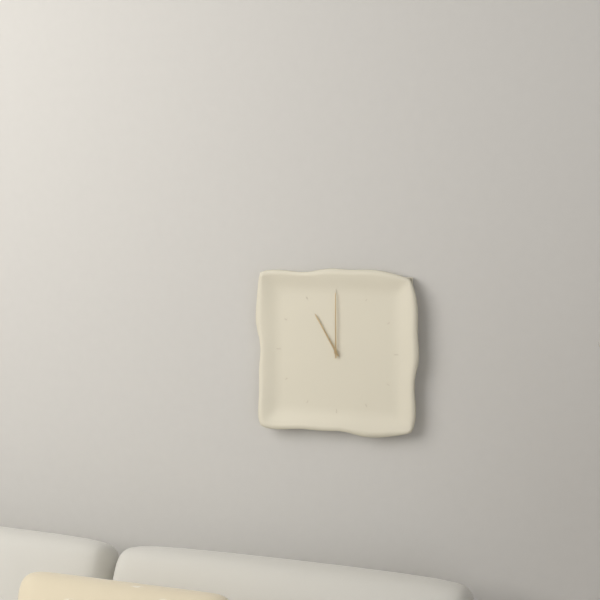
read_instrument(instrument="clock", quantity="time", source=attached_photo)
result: 11:00
